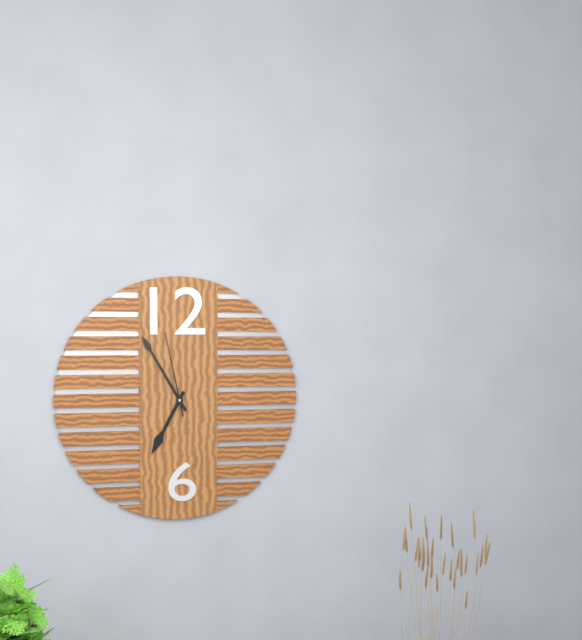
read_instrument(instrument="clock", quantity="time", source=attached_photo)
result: 6:55:58
